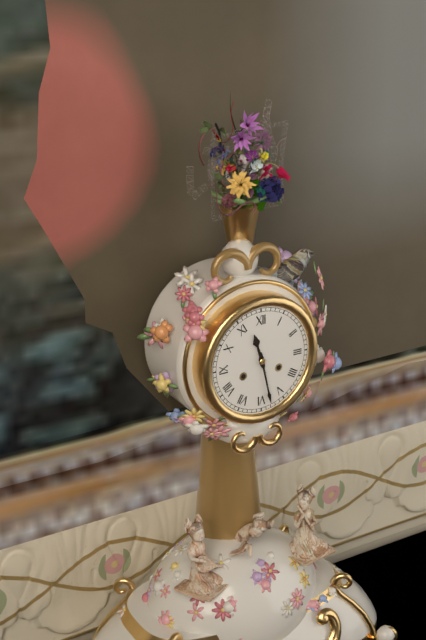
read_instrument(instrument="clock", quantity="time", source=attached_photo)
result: 11:28
